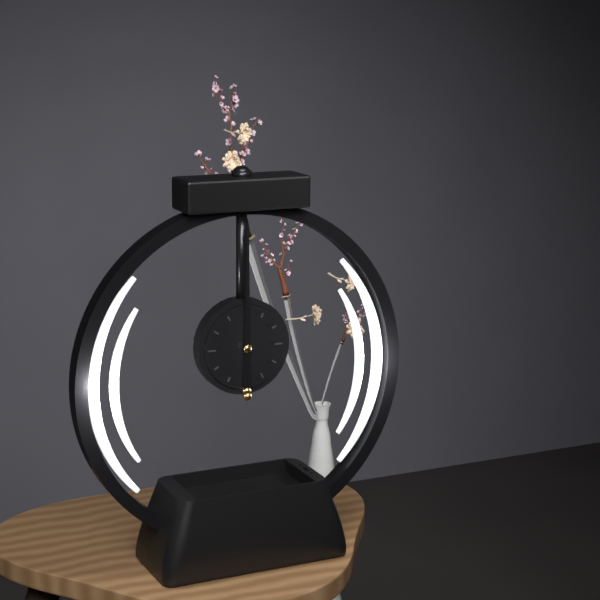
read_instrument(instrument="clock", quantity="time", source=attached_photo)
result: 12:00
